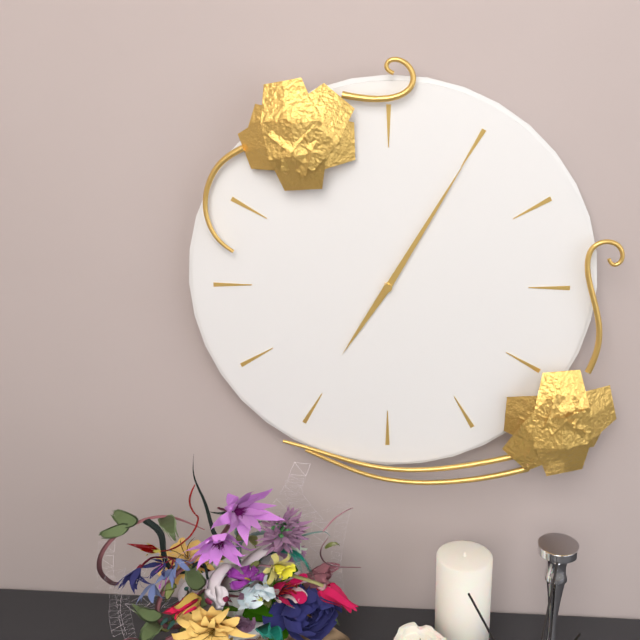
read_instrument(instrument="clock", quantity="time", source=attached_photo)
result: 7:05
